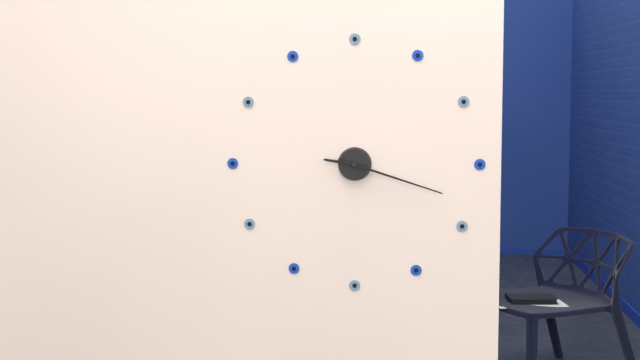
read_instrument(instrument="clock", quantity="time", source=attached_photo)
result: 9:18
